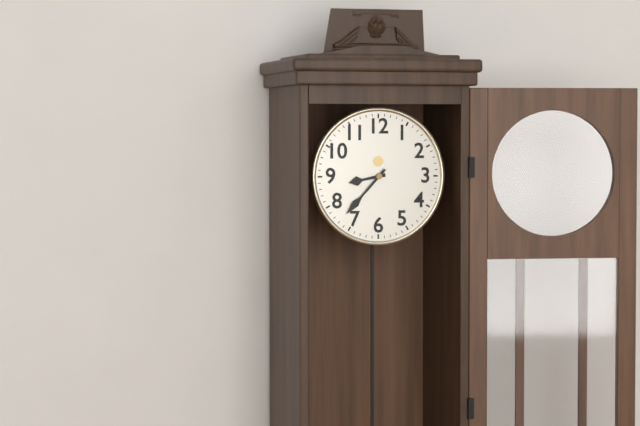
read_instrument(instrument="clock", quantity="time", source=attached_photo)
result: 8:37
